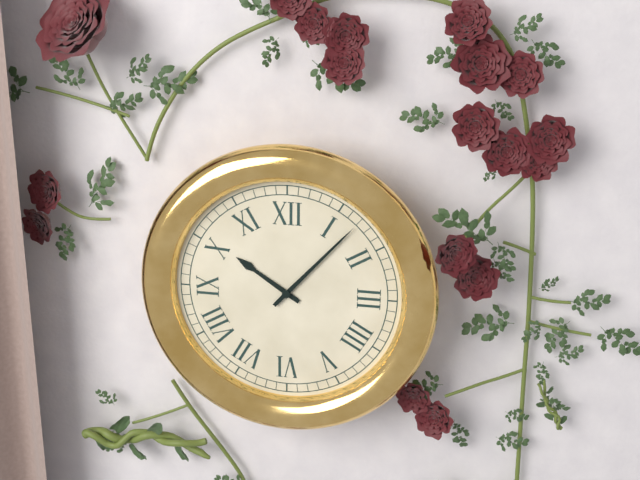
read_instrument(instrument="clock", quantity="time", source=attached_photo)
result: 10:07
